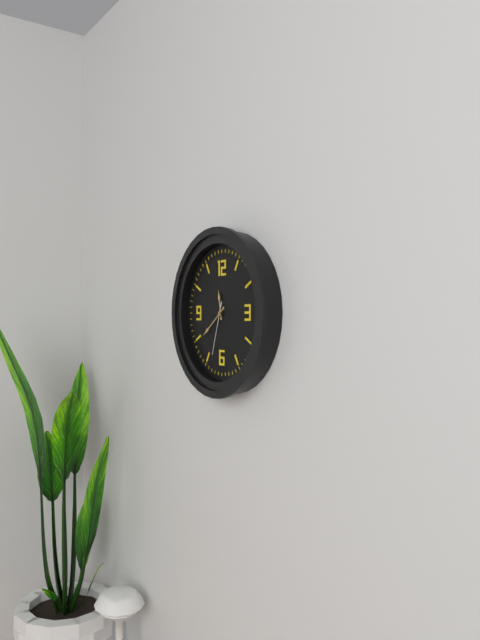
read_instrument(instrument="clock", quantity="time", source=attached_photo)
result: 11:39:33
